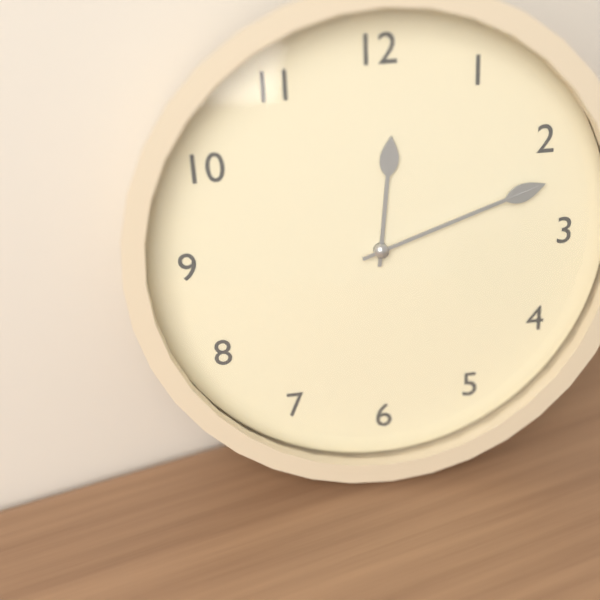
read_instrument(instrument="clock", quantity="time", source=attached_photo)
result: 12:12
